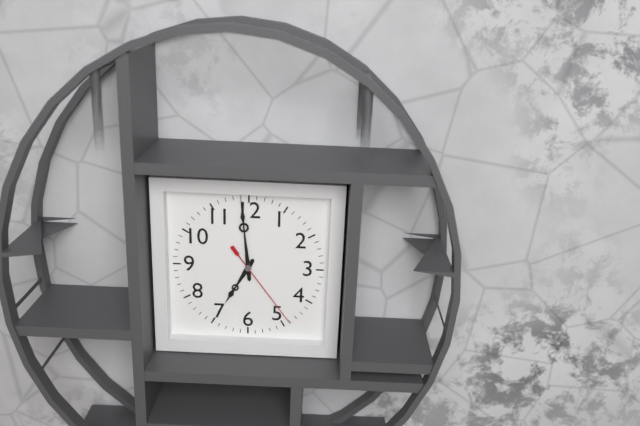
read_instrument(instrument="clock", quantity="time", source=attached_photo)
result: 6:59:24
